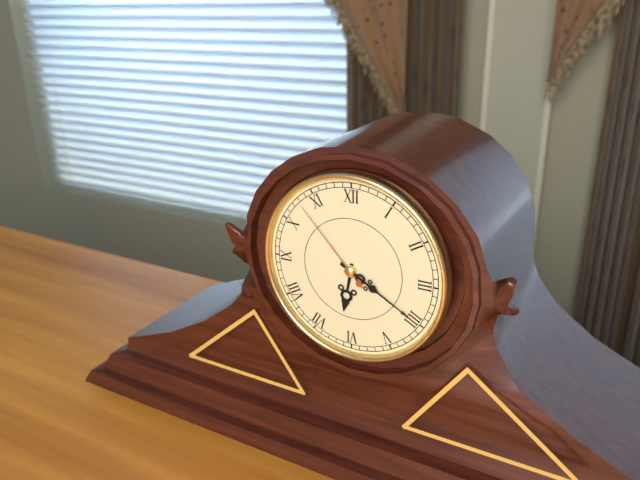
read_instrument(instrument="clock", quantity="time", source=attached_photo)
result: 6:20:53
